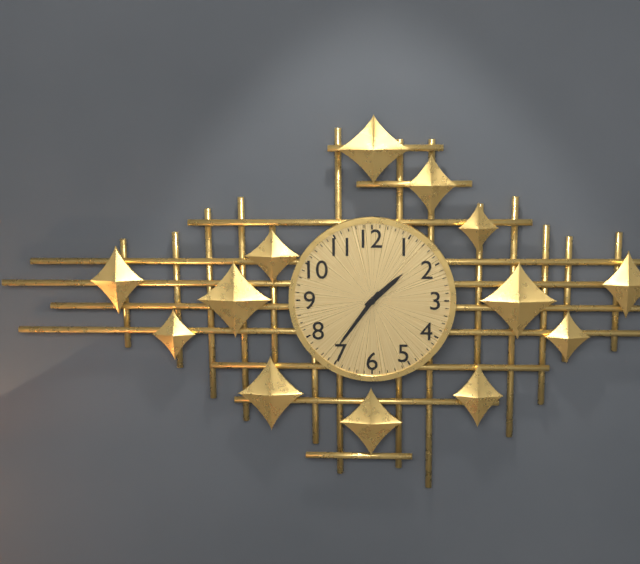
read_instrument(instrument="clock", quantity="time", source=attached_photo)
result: 1:36
